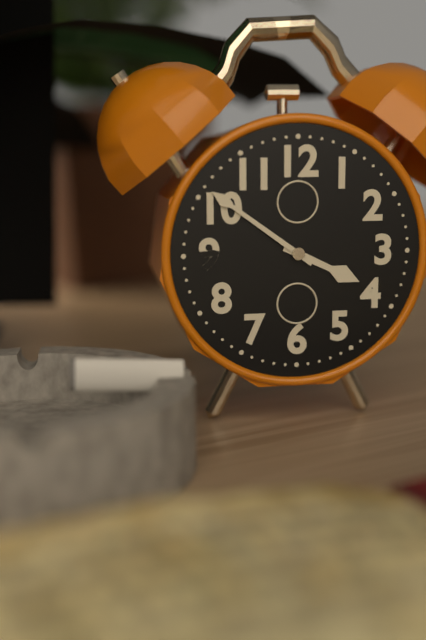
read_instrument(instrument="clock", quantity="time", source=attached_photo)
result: 3:51
